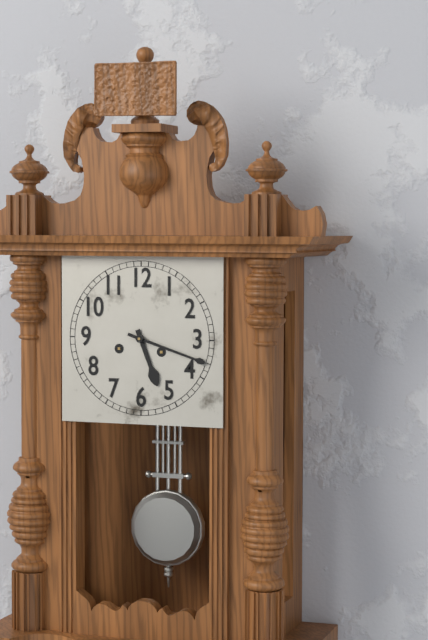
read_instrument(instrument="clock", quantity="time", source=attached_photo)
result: 5:18
